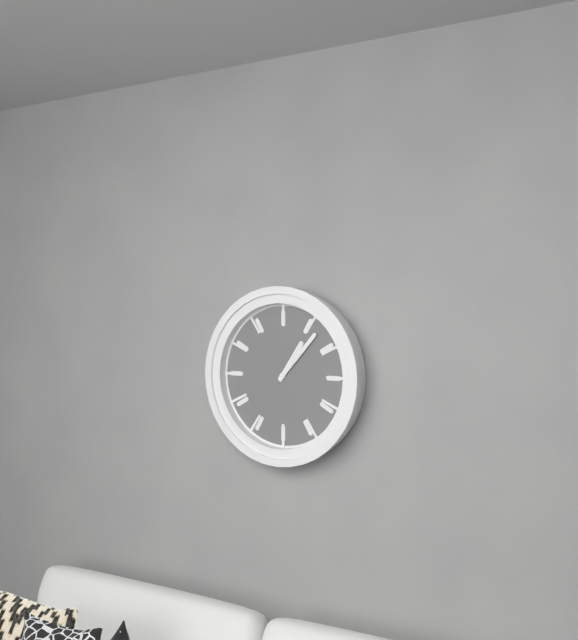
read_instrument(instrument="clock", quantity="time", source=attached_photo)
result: 1:07
